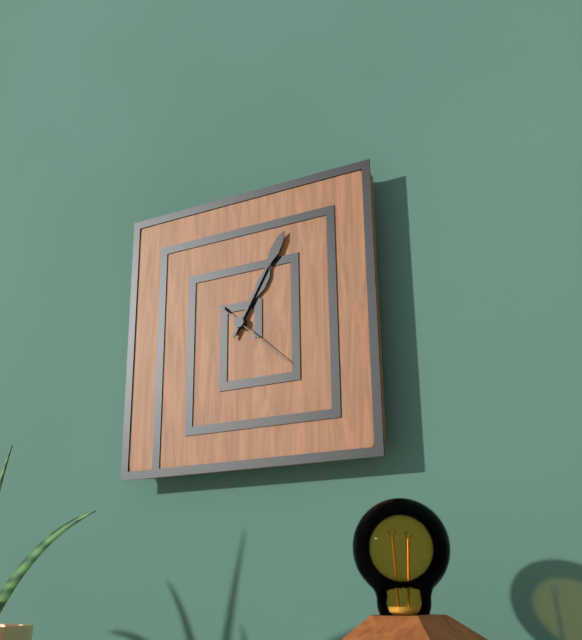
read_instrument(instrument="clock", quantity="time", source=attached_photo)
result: 1:05:22
